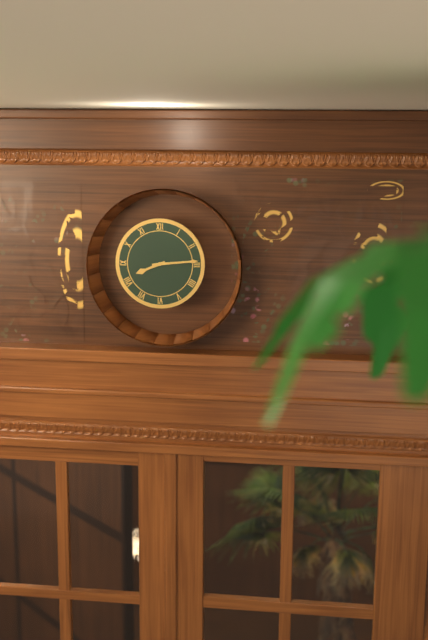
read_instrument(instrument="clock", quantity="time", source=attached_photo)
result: 8:14
